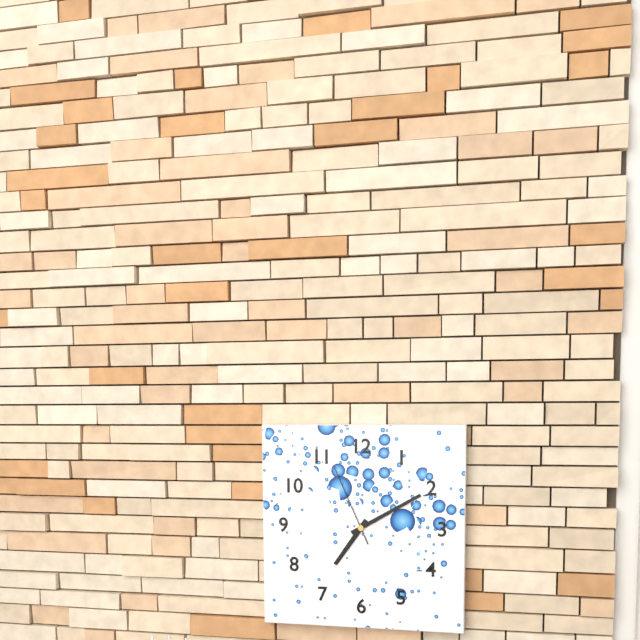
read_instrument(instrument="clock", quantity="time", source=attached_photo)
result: 7:10:56
